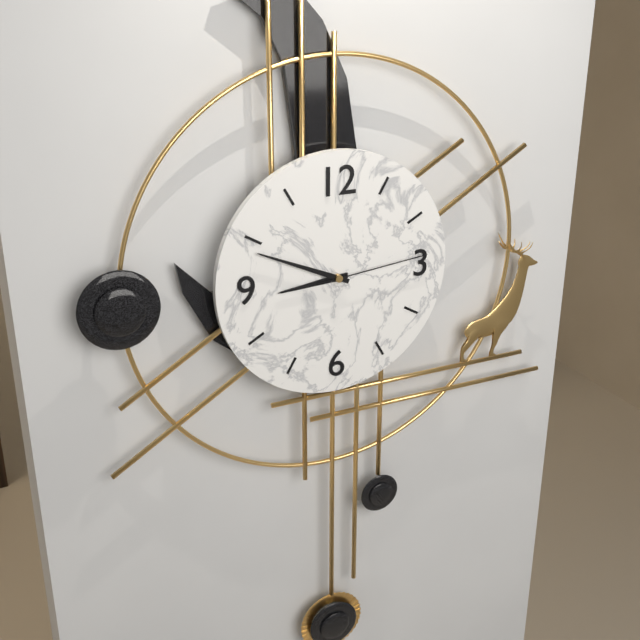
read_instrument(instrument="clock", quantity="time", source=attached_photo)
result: 8:49:14
